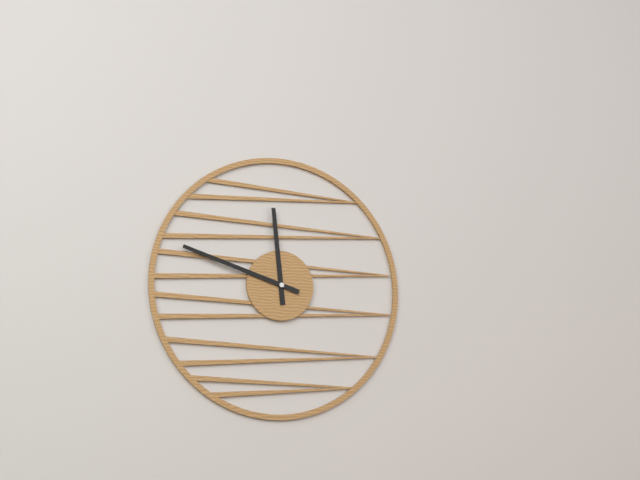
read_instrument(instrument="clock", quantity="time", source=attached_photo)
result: 11:48
